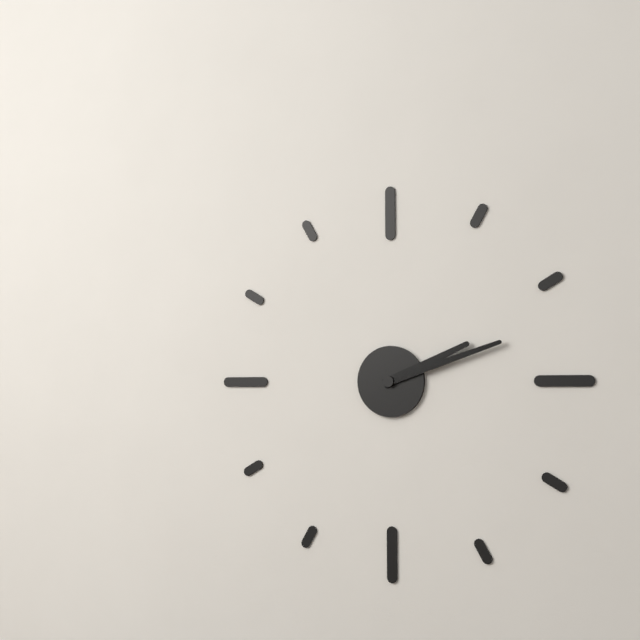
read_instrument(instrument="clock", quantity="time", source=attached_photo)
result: 2:12
